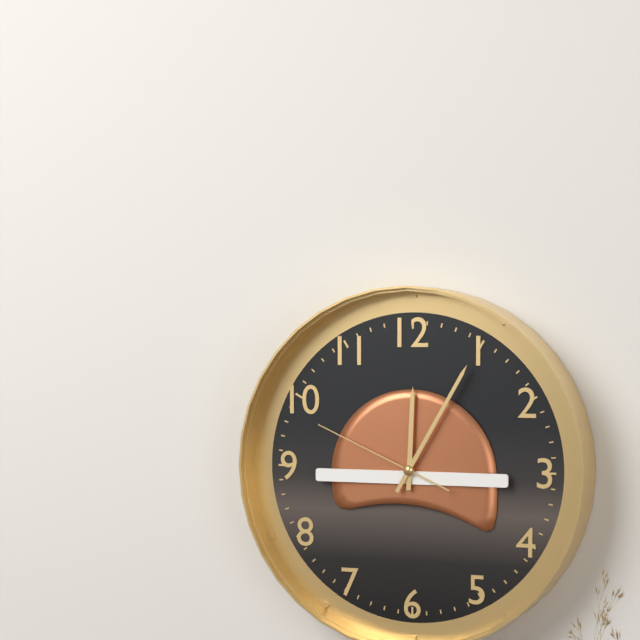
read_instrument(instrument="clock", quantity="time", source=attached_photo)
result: 12:05:49
